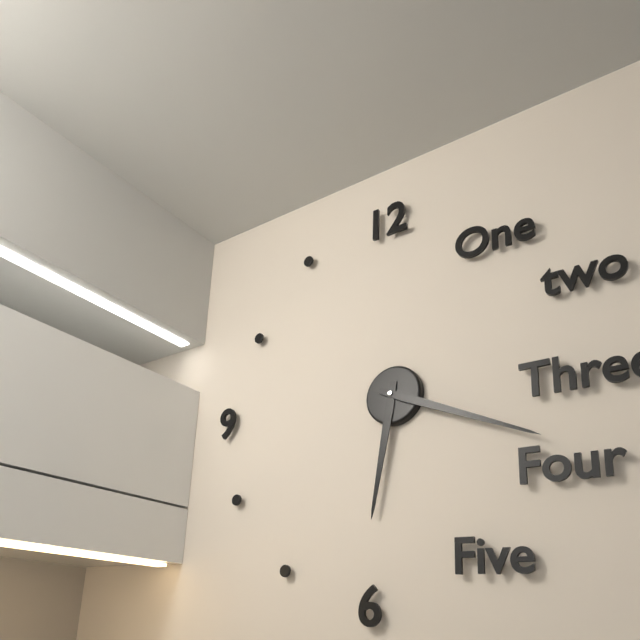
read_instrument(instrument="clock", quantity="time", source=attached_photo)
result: 6:19
